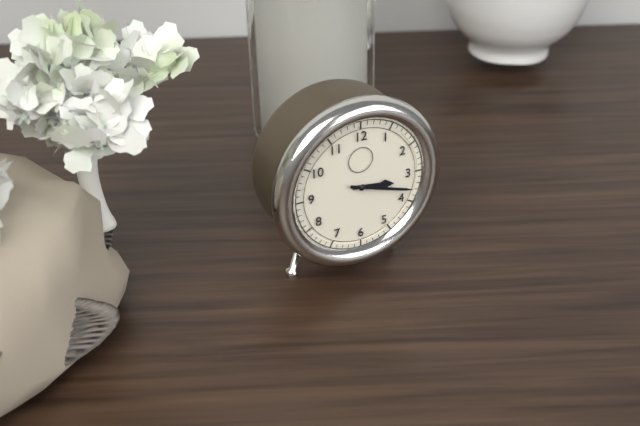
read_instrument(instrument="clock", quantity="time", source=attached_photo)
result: 3:18
